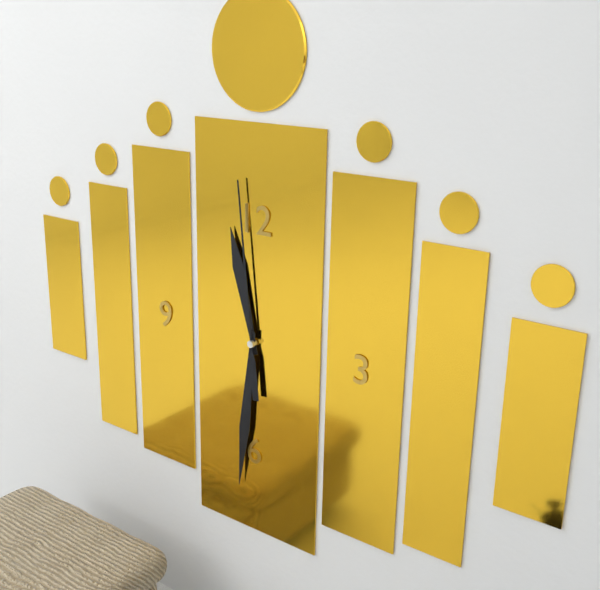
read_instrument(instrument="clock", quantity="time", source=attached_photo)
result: 11:31:59
